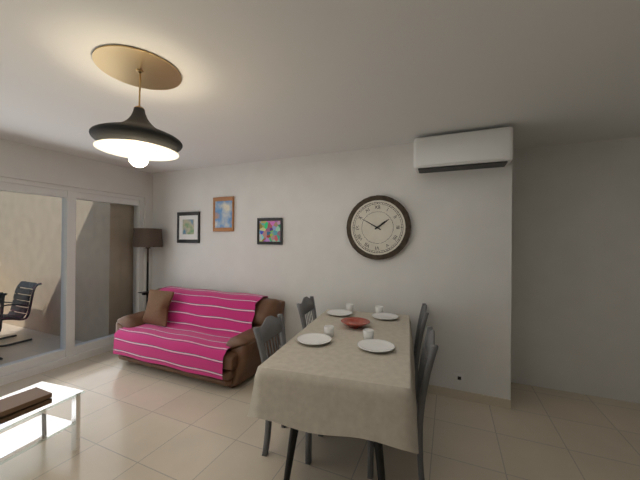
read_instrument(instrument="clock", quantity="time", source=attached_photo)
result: 1:50
